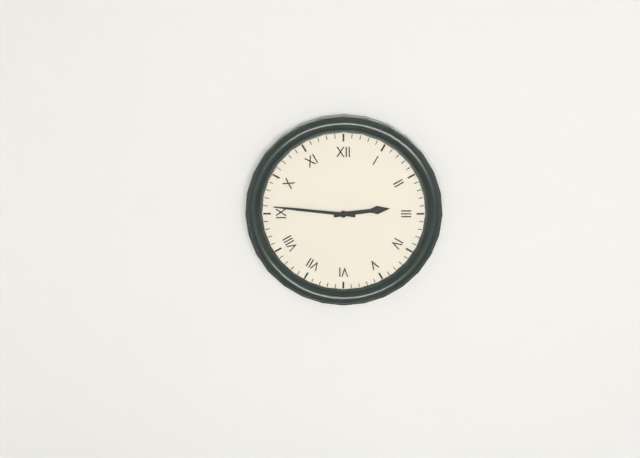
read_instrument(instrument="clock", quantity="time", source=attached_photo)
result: 2:46
